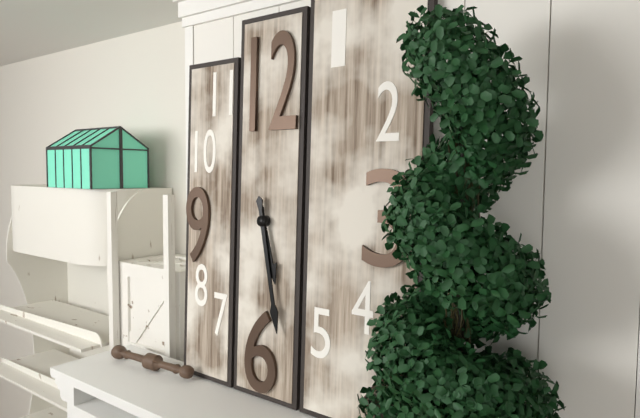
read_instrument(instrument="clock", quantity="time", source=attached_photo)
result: 5:28
